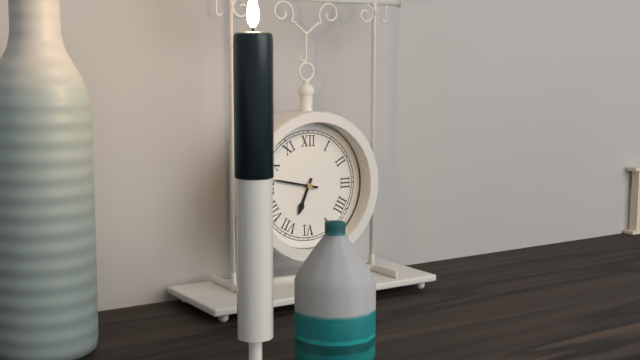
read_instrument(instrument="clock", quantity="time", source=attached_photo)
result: 6:47
